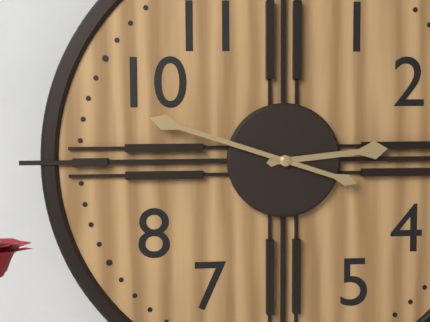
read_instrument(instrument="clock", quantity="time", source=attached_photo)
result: 2:48
